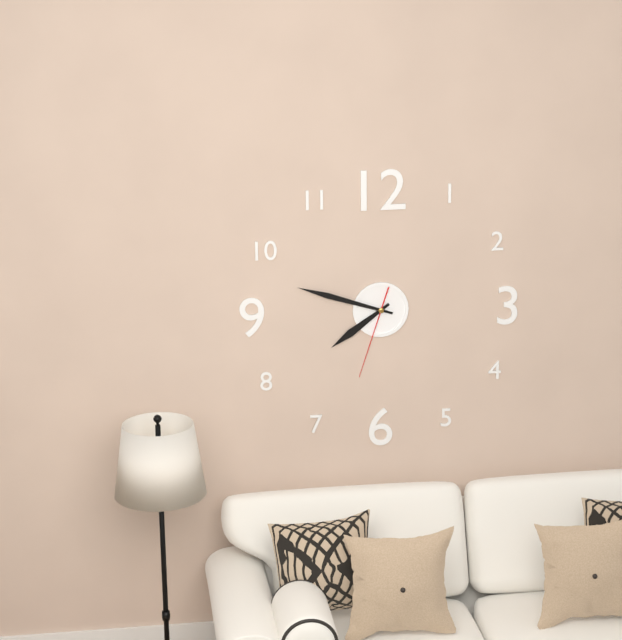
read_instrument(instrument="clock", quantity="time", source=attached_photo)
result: 7:48:33
